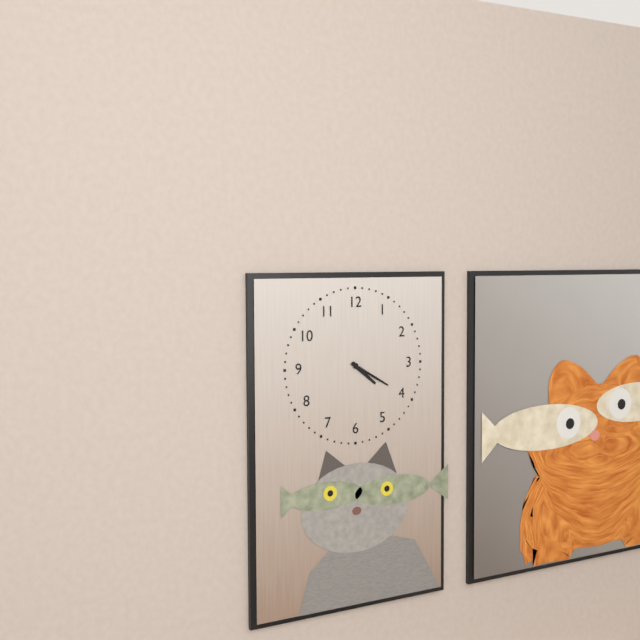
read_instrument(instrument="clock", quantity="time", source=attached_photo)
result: 4:20
